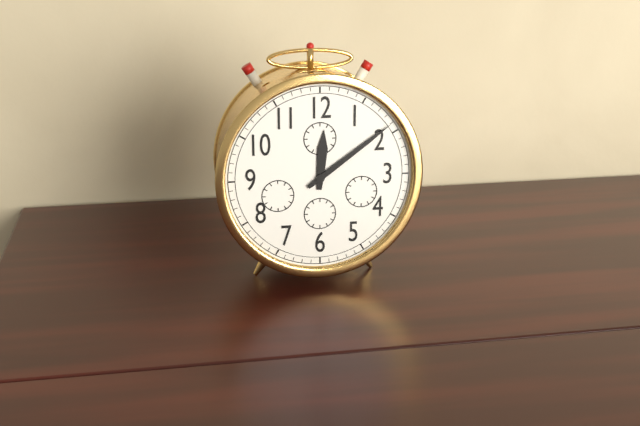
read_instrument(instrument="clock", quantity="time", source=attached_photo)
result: 12:09
